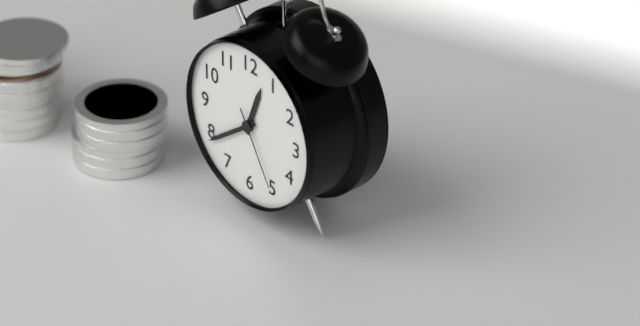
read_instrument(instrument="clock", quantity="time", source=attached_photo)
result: 12:39:25
